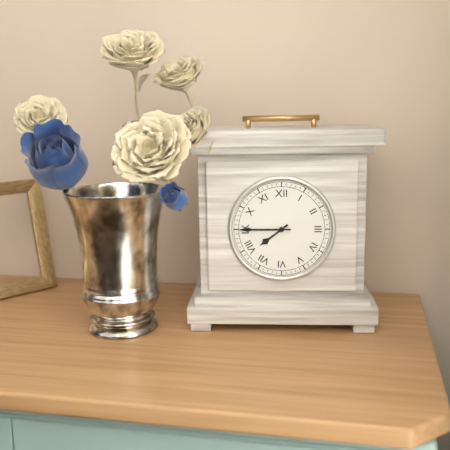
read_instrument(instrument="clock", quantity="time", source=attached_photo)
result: 7:45
